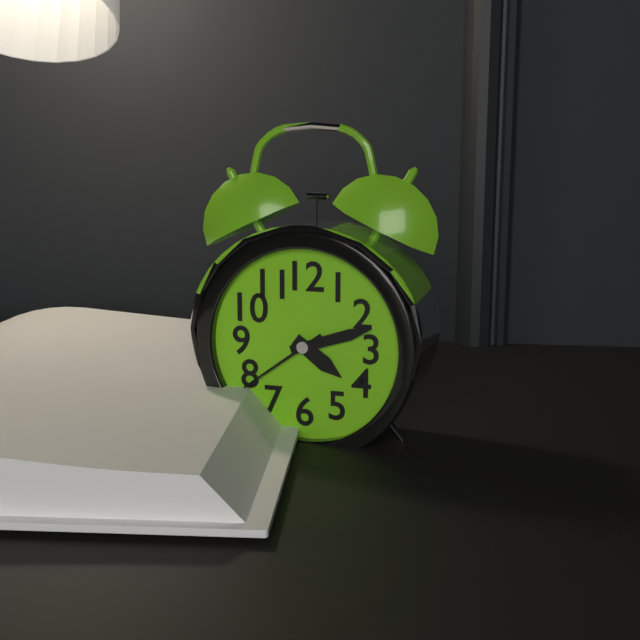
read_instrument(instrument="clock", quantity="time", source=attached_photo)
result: 4:12:39
